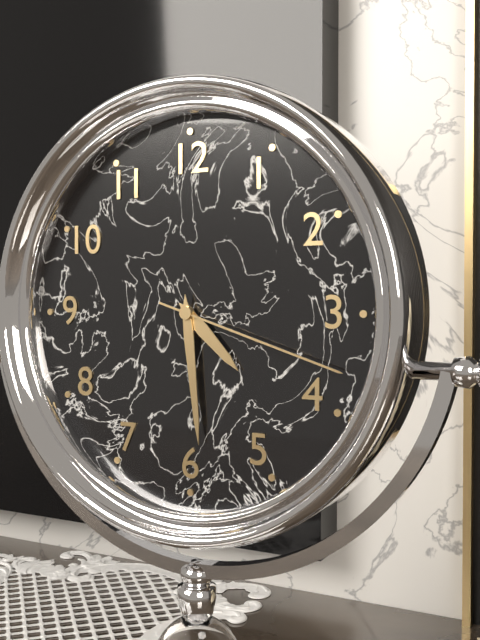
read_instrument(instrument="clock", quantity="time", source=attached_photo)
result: 4:29:18
